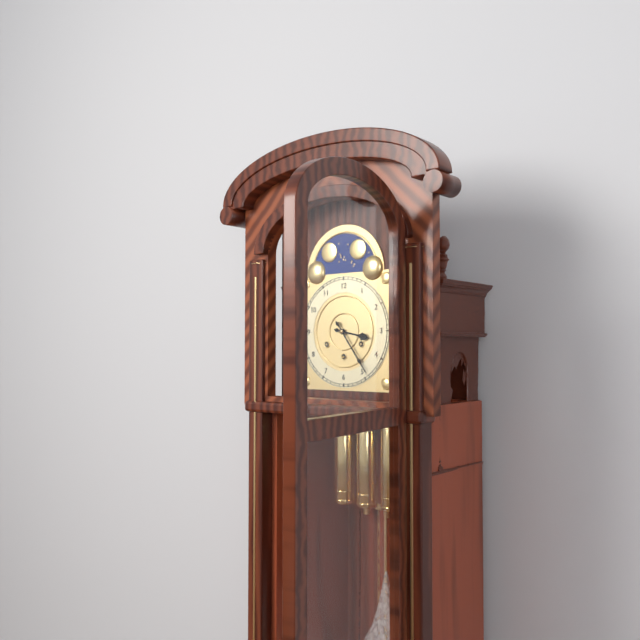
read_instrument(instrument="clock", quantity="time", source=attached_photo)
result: 3:24
